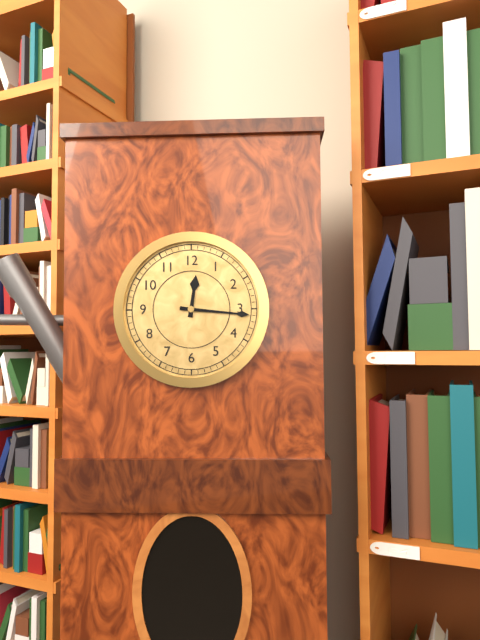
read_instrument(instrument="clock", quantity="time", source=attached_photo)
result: 12:16
